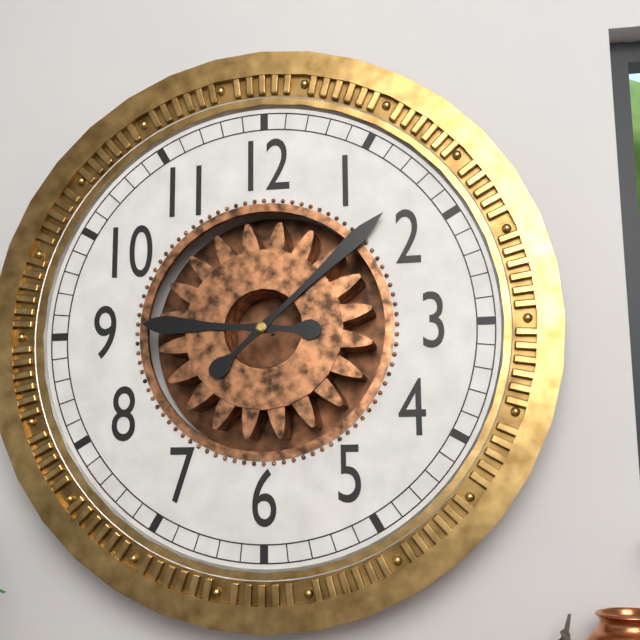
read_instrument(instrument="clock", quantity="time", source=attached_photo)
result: 9:08
